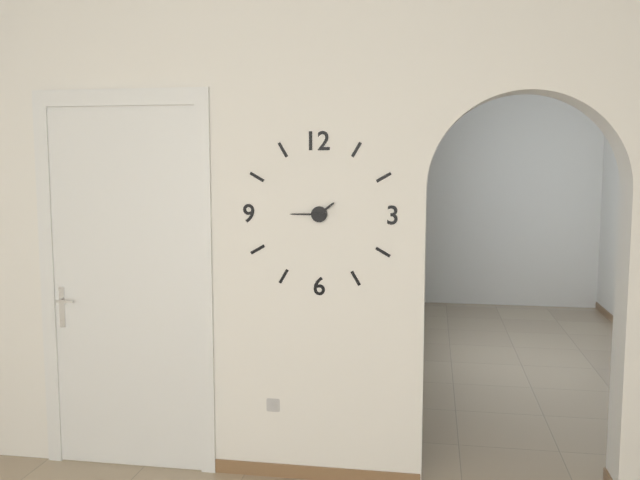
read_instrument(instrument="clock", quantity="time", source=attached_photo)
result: 1:45
